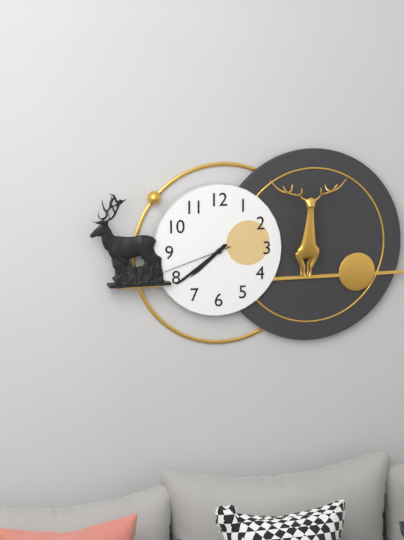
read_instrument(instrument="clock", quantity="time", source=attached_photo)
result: 7:39:42
